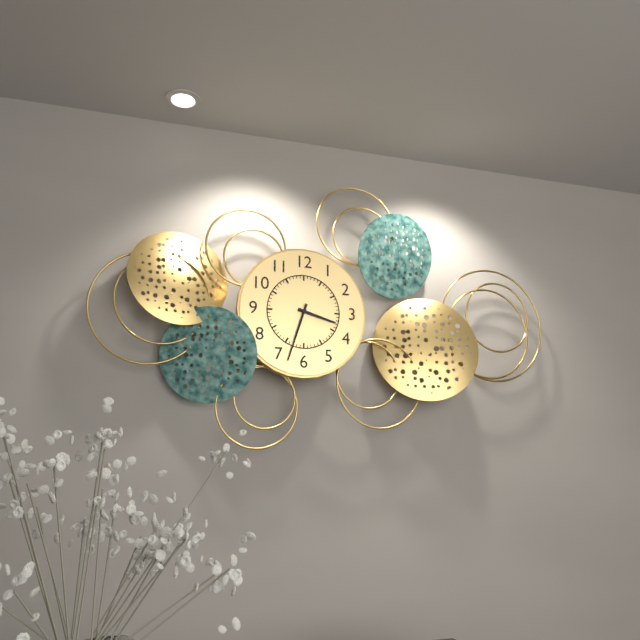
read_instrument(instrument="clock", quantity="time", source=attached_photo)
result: 3:33
